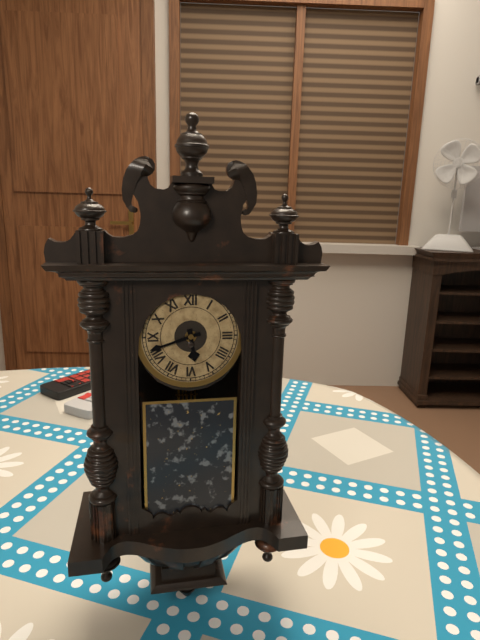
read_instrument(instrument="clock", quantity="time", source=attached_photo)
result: 5:42
